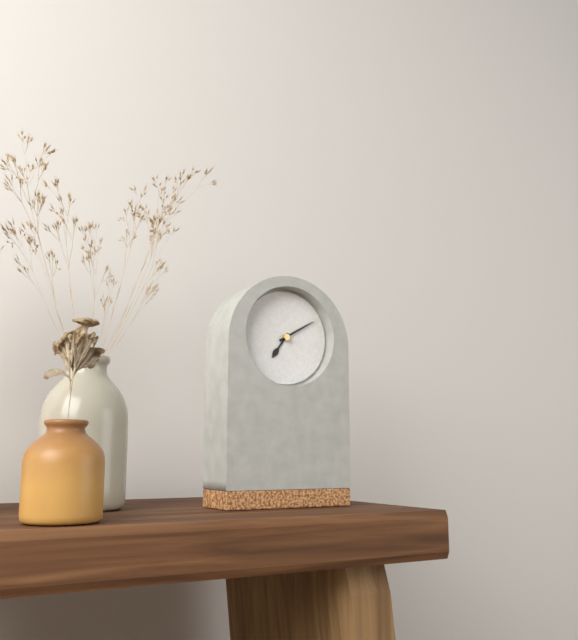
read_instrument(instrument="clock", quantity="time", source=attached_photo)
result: 7:10
